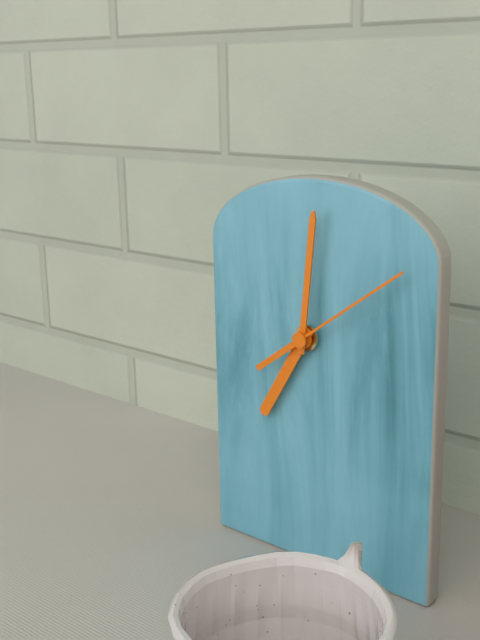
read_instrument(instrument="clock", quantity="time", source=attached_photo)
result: 7:01:09
